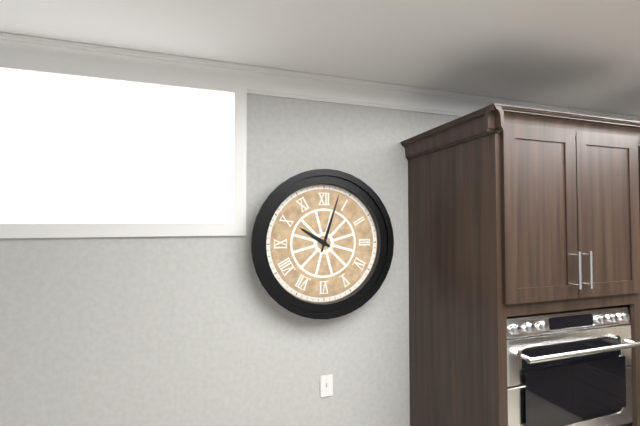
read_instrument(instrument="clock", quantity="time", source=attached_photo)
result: 10:03
